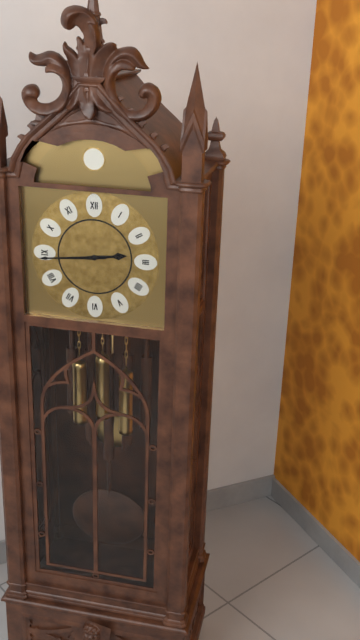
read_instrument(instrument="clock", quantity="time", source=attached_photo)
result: 2:44
